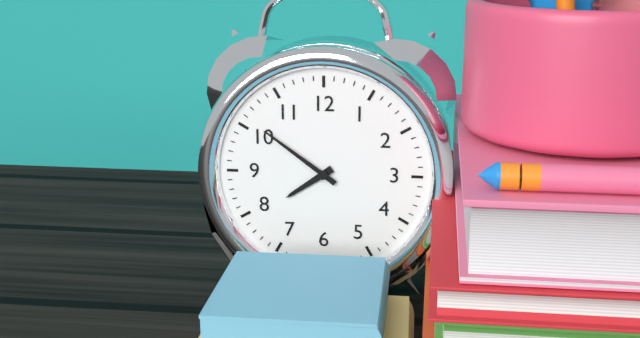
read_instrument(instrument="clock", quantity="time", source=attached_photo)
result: 7:51
